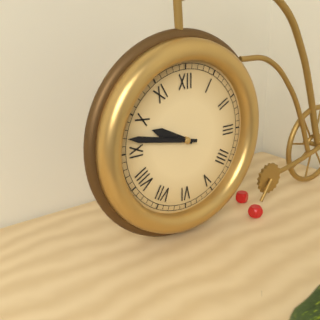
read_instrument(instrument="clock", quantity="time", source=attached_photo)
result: 9:47
